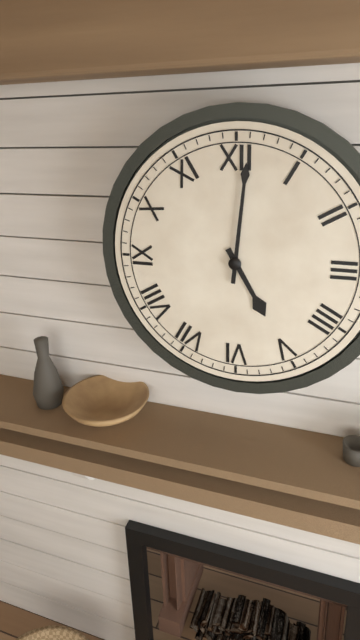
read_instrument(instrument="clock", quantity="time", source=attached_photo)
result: 5:01
